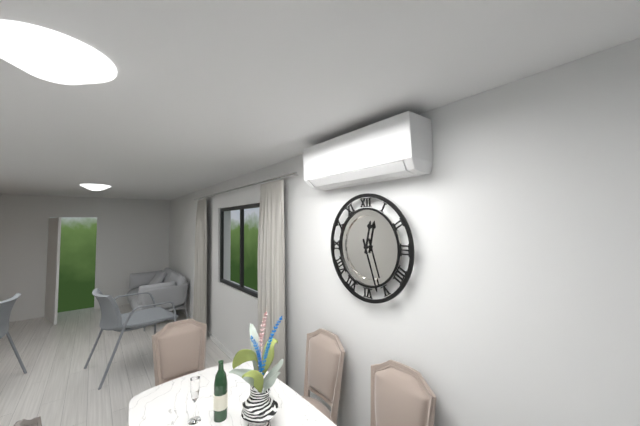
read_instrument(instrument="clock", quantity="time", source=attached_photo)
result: 12:27
